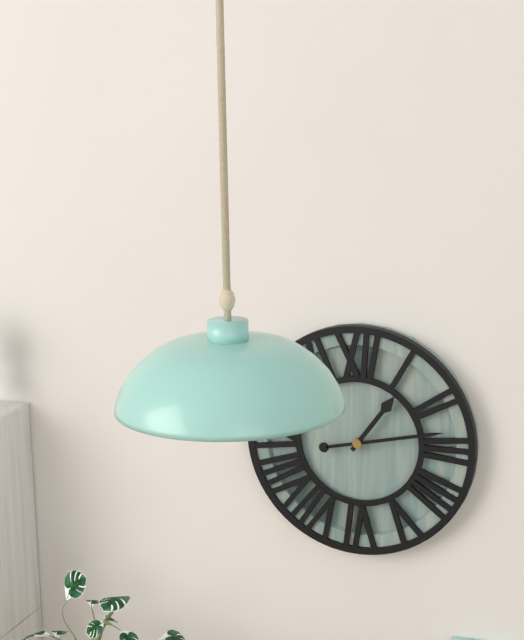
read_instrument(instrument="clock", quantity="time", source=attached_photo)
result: 1:13
